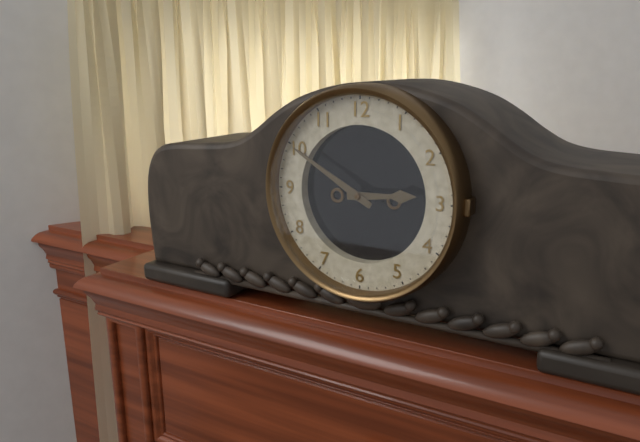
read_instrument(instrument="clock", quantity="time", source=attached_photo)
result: 2:50
